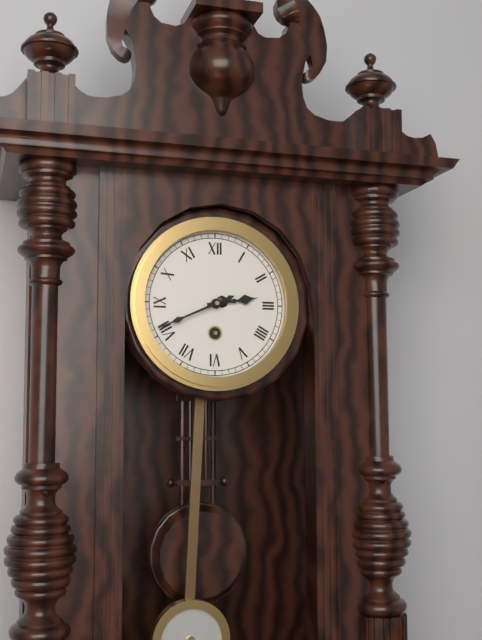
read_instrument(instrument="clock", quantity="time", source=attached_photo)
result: 2:41
